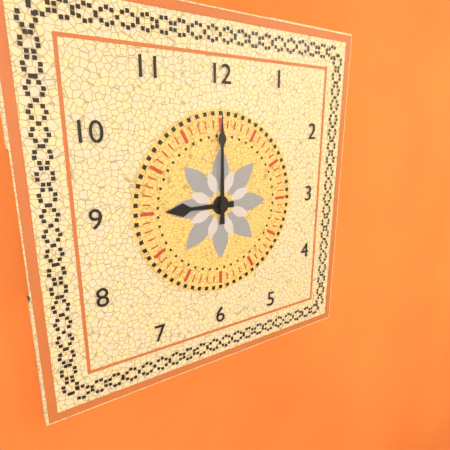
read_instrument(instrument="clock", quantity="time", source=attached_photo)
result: 9:00
